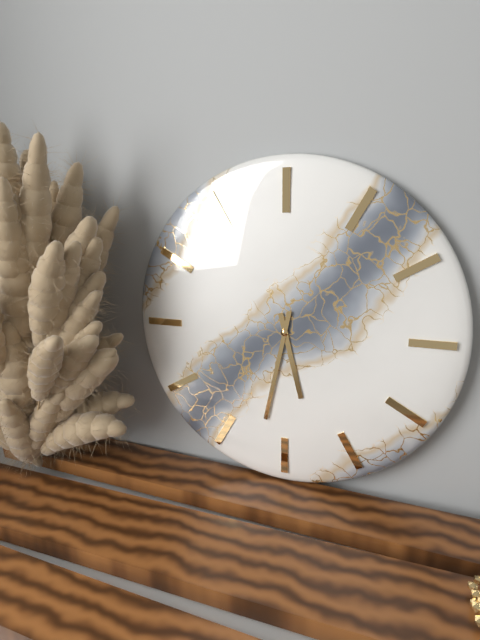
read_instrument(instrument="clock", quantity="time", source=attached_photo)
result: 5:32
